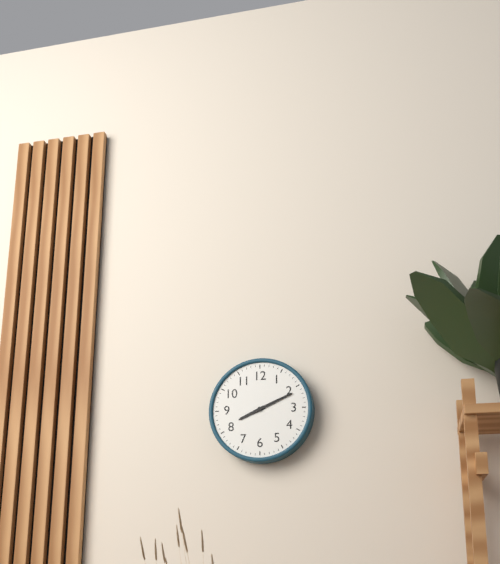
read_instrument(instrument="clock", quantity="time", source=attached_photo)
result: 8:11
